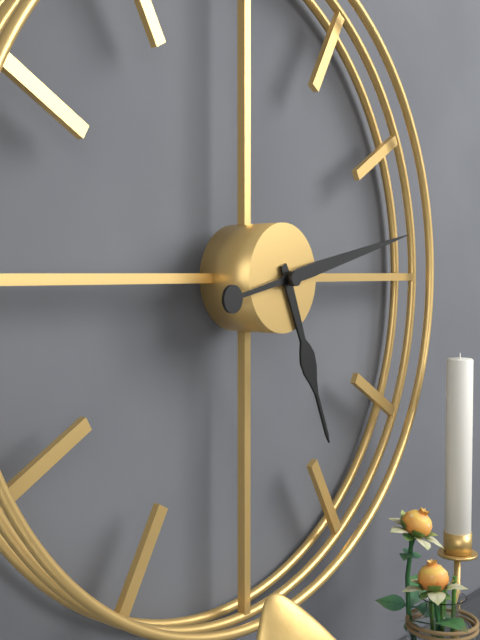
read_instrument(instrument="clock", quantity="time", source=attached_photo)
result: 5:13
